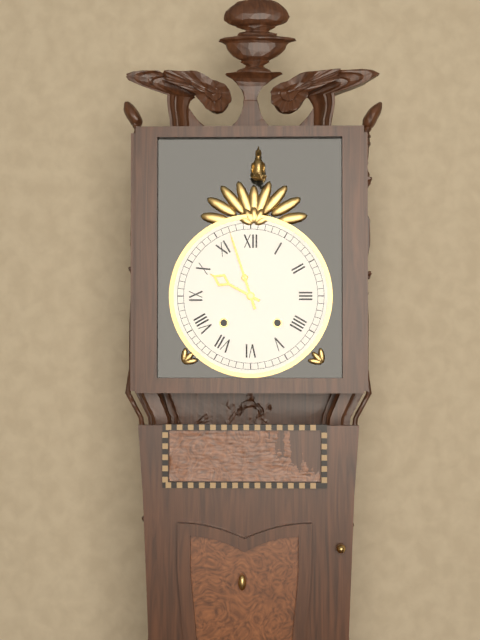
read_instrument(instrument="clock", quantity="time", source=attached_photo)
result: 9:57
